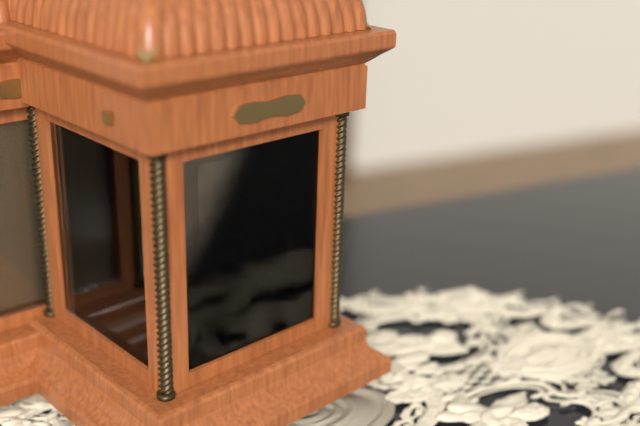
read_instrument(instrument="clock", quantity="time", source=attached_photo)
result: 7:59
